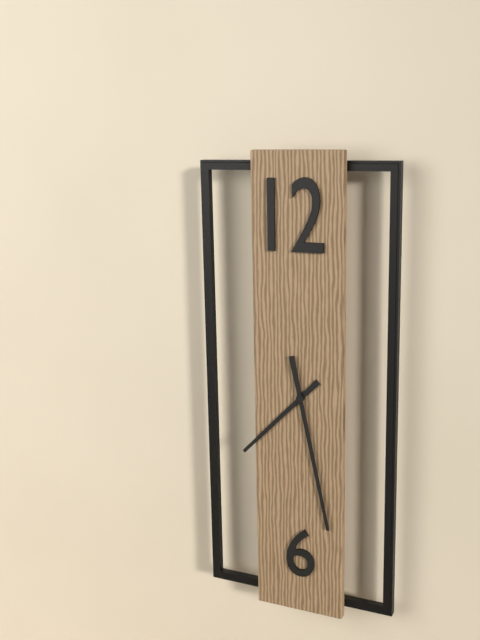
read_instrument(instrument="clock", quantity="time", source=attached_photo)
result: 7:28
